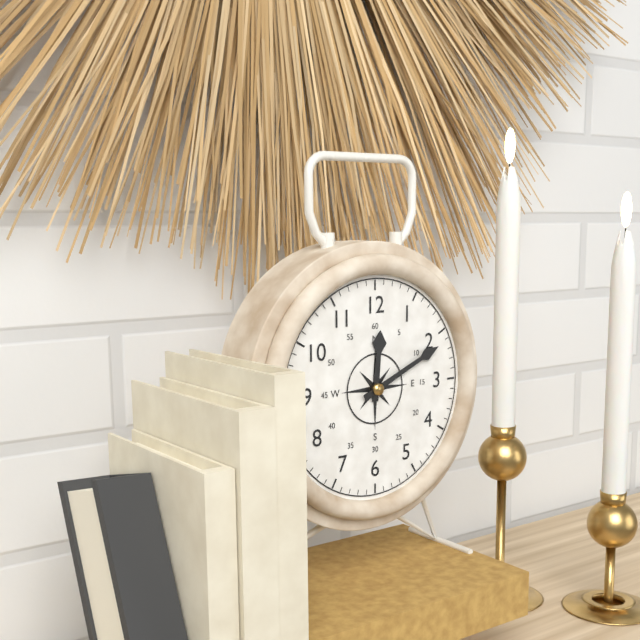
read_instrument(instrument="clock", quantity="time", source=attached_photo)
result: 12:11
